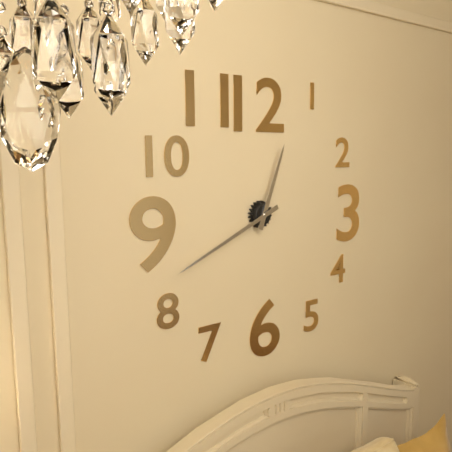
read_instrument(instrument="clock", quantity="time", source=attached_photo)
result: 12:41
